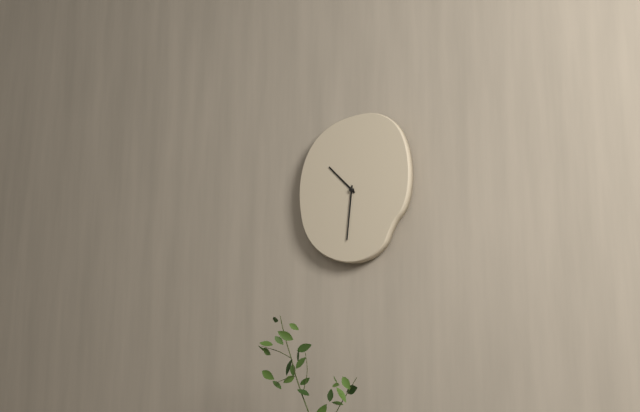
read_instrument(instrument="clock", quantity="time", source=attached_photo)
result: 10:31
